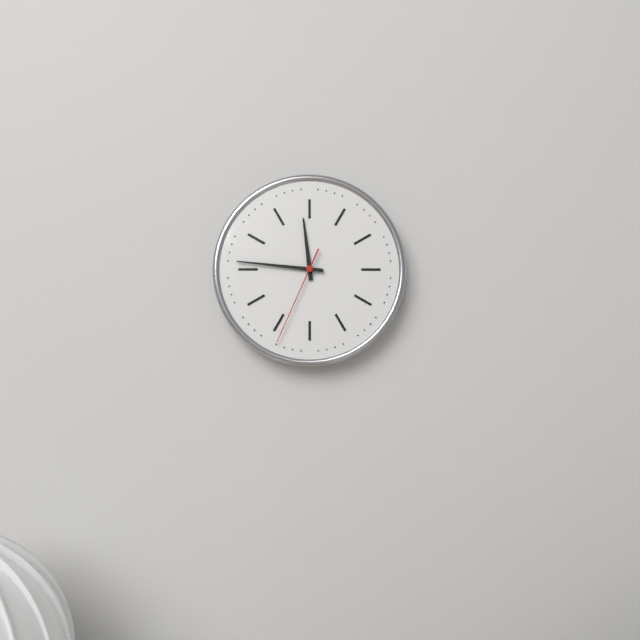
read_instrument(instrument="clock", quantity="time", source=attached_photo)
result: 11:46:34
